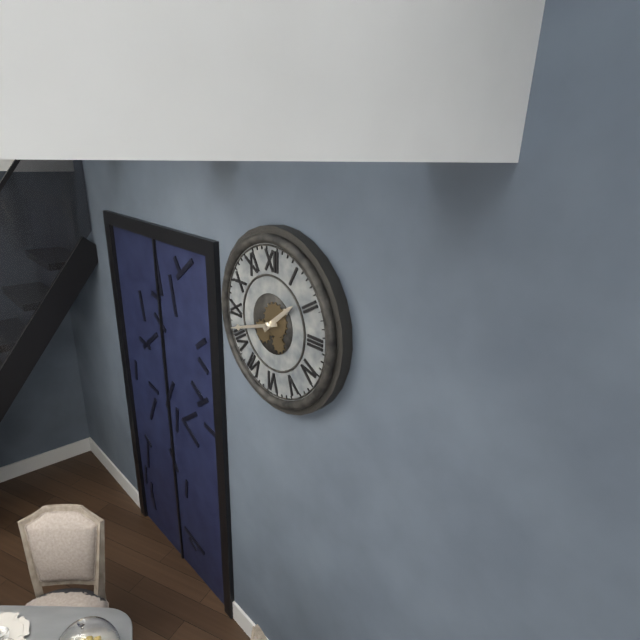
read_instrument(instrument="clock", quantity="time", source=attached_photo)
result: 1:42
